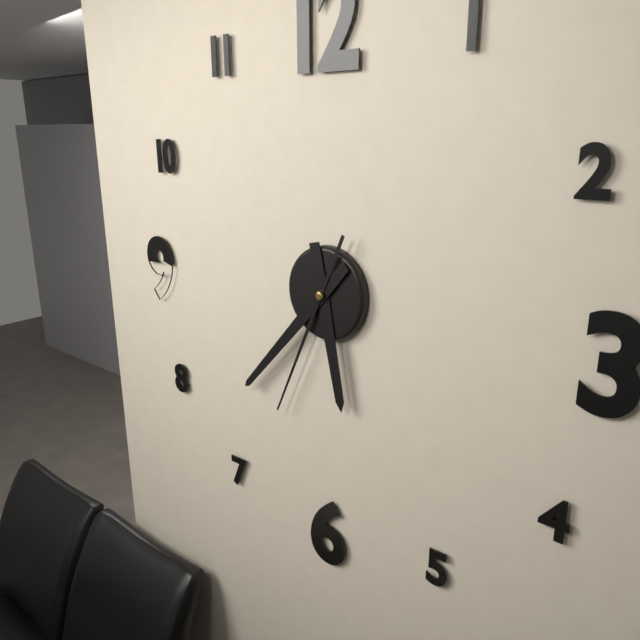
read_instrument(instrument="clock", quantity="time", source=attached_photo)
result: 5:37:34
